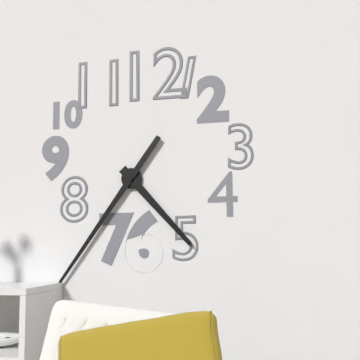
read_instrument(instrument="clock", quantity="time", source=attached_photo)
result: 4:36
